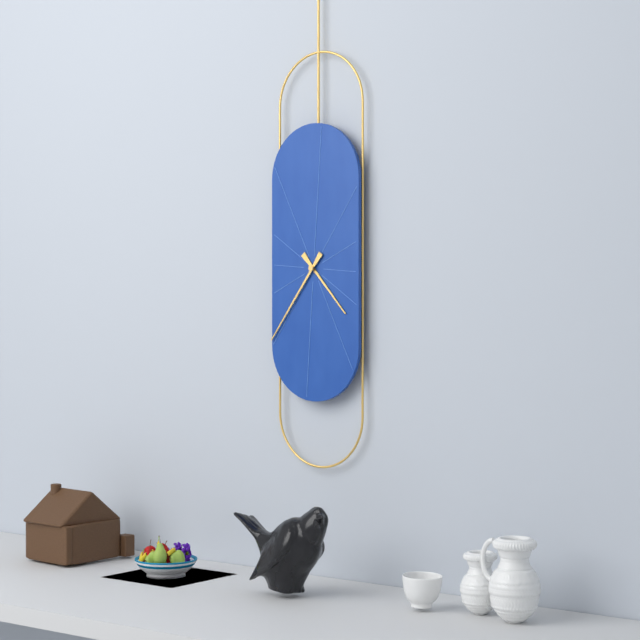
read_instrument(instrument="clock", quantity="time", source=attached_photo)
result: 4:36
